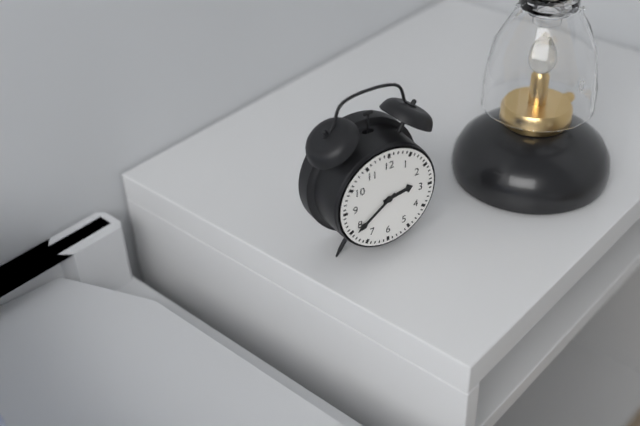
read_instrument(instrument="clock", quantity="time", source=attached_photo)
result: 2:39
